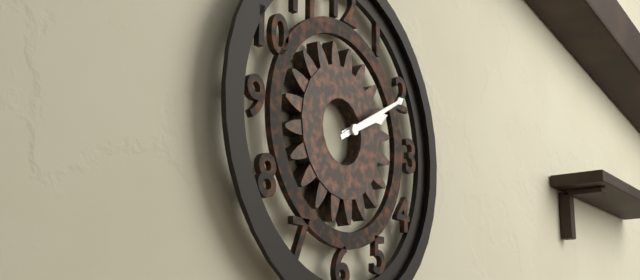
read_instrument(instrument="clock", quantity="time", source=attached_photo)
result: 2:10
